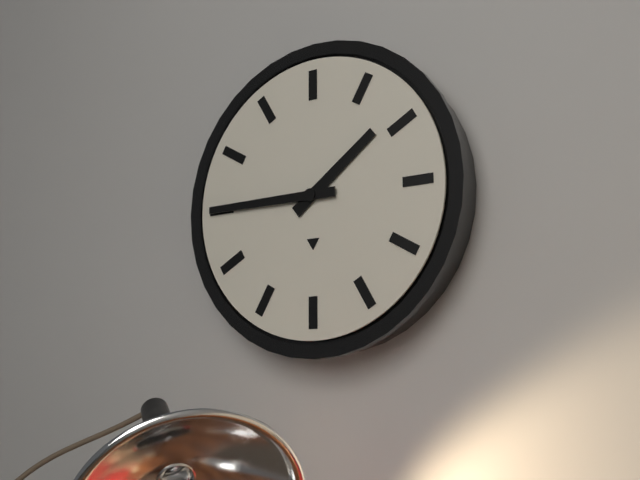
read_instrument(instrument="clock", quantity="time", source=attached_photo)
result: 1:45
